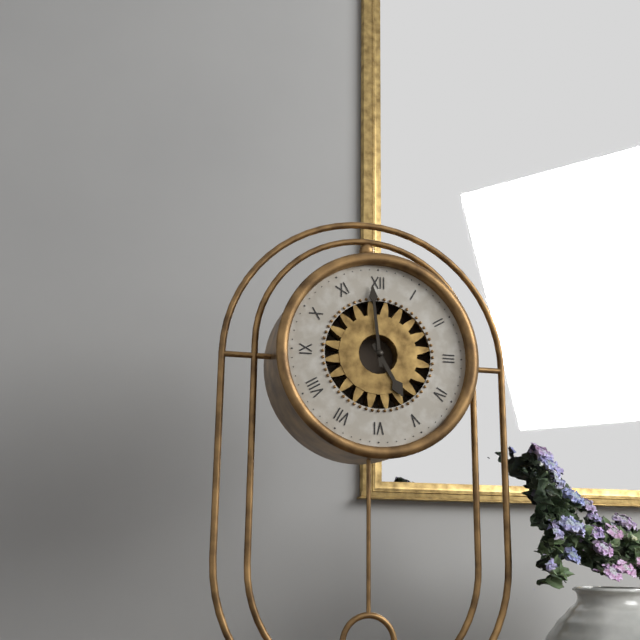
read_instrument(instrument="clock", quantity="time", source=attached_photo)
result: 4:59
